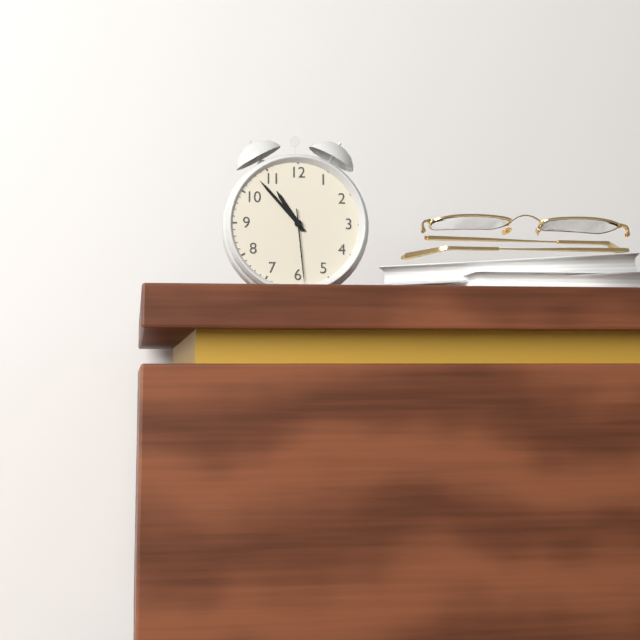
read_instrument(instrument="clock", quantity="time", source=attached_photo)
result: 10:53:29
